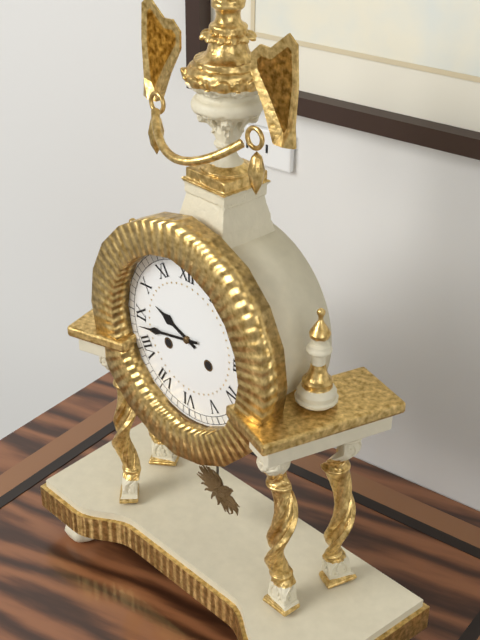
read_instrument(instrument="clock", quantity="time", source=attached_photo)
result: 9:43
